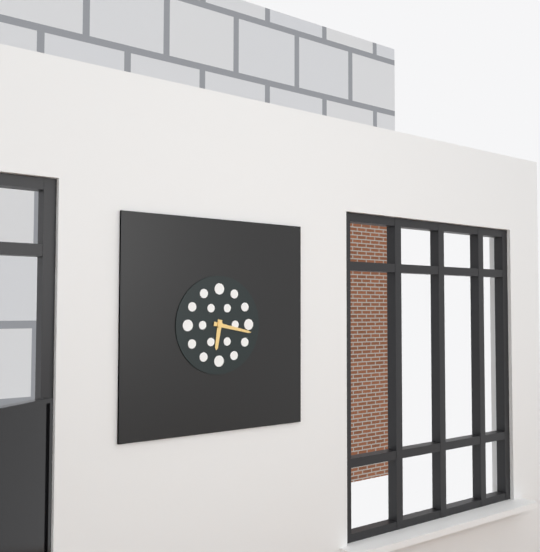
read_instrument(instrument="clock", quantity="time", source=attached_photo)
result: 6:17
